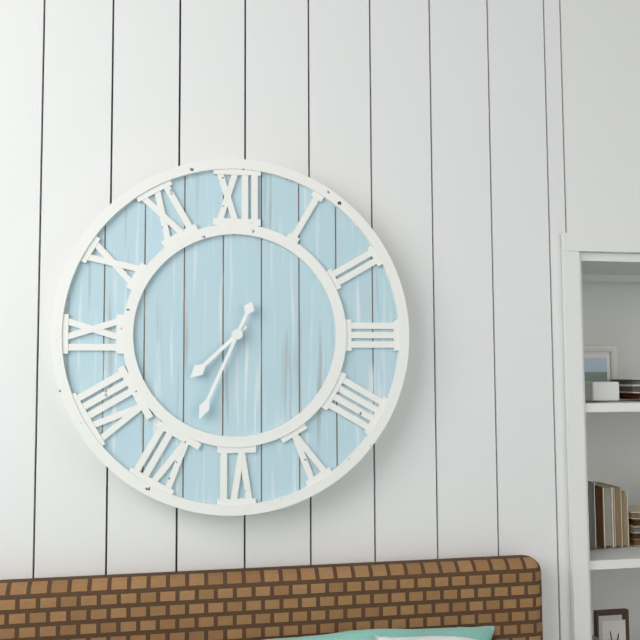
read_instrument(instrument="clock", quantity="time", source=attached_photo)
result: 7:34
